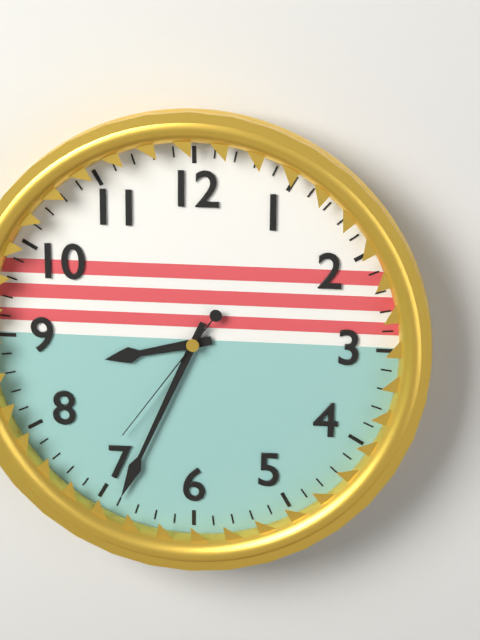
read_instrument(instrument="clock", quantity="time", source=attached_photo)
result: 8:34:36
